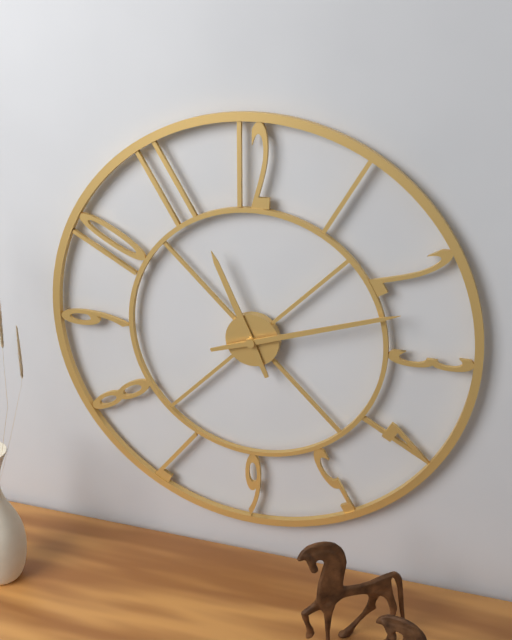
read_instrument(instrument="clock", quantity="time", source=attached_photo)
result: 11:12
